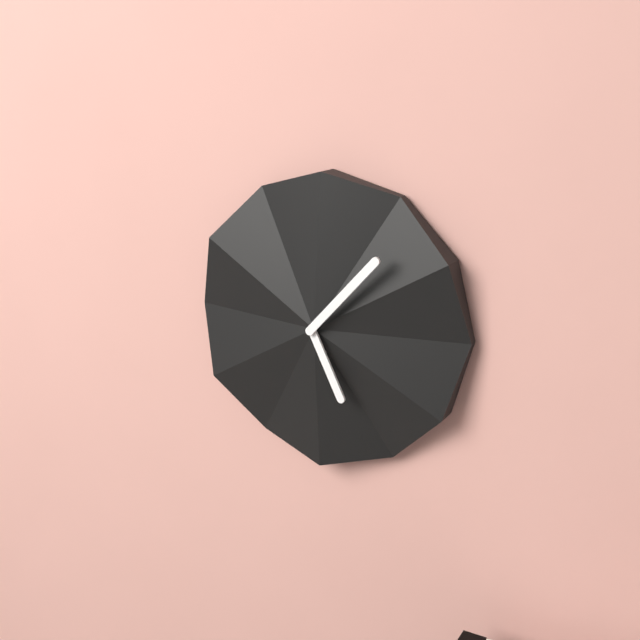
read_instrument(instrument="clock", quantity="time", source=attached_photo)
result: 5:07
